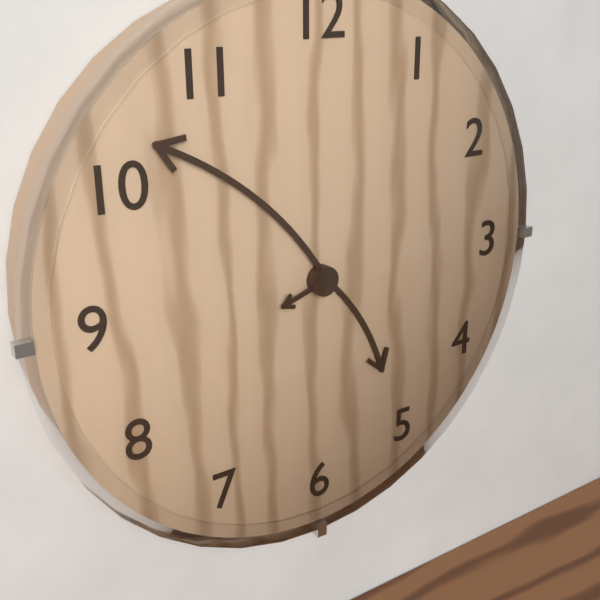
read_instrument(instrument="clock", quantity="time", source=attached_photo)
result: 4:52:42
